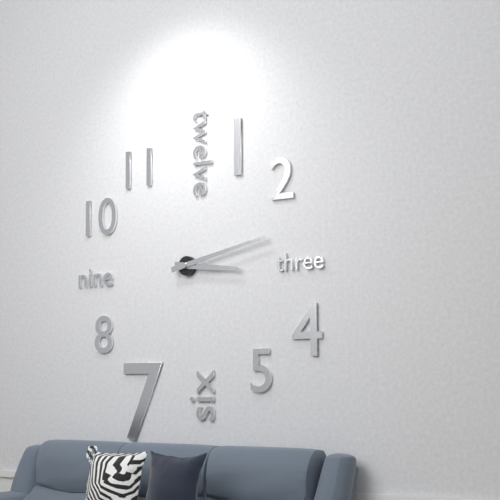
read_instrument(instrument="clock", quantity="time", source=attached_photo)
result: 3:13
